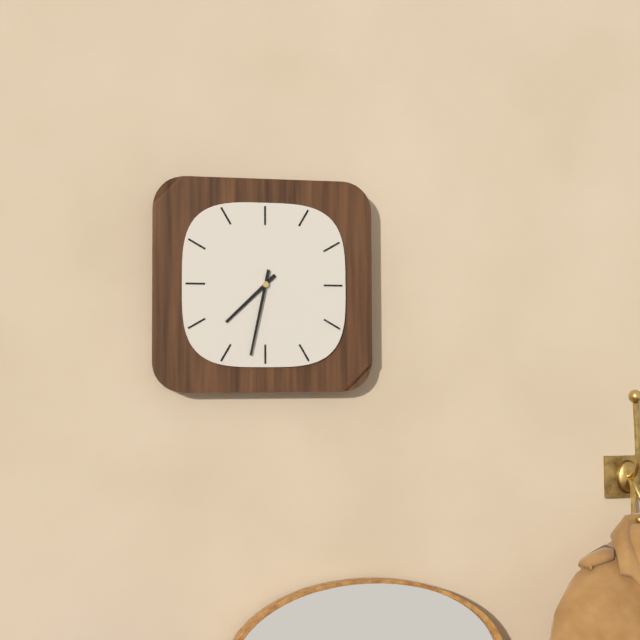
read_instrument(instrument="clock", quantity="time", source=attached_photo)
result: 7:32
